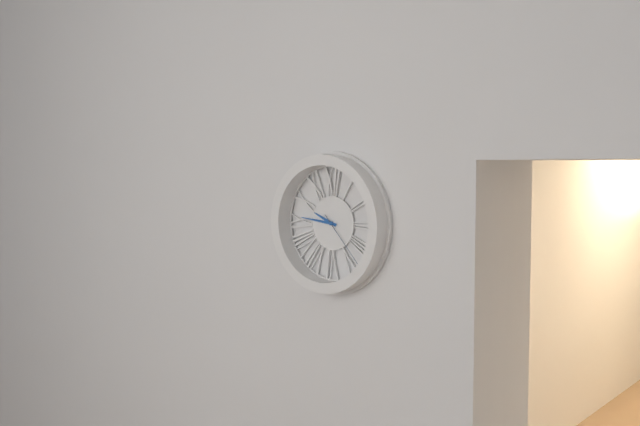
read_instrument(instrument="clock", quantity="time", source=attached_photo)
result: 9:46:23
